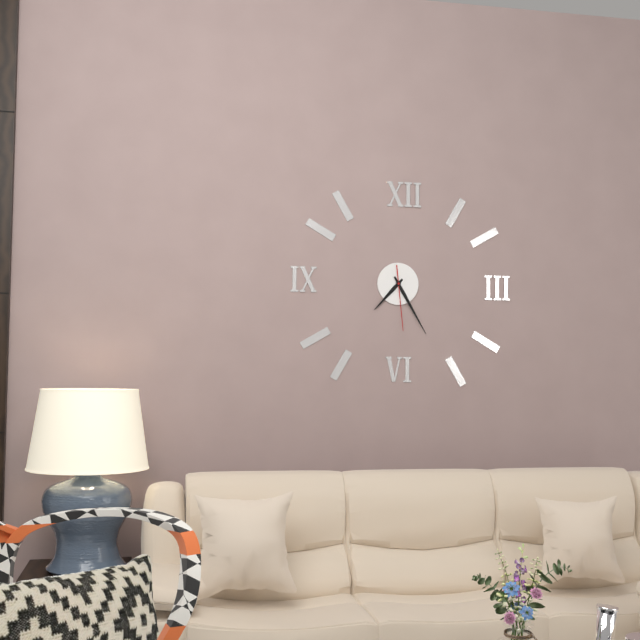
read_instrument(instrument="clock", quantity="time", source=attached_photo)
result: 7:25:29
